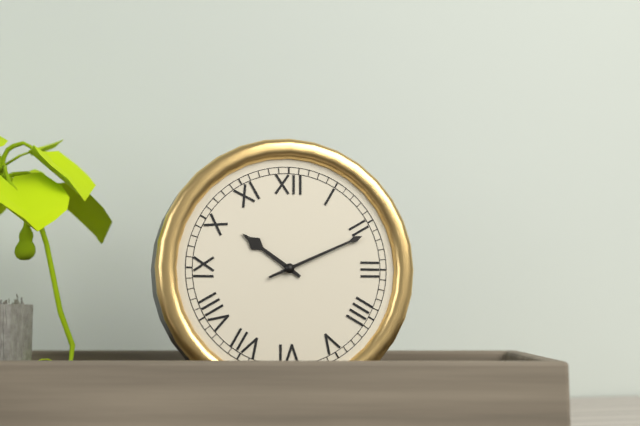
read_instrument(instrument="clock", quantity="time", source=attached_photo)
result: 10:11
